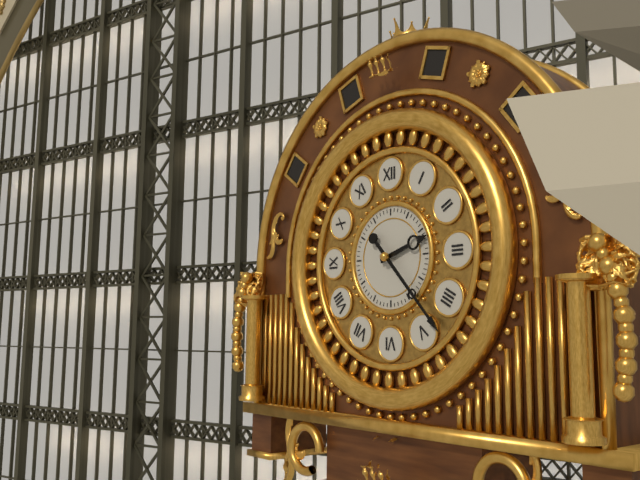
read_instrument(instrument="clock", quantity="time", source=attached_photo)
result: 2:23
